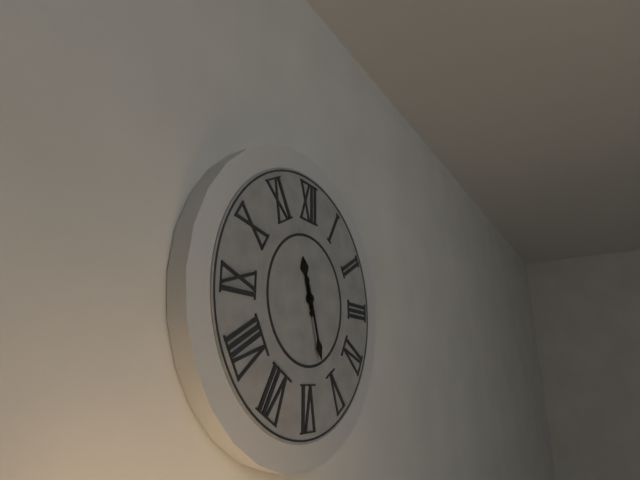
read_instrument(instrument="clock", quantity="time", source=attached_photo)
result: 11:27
